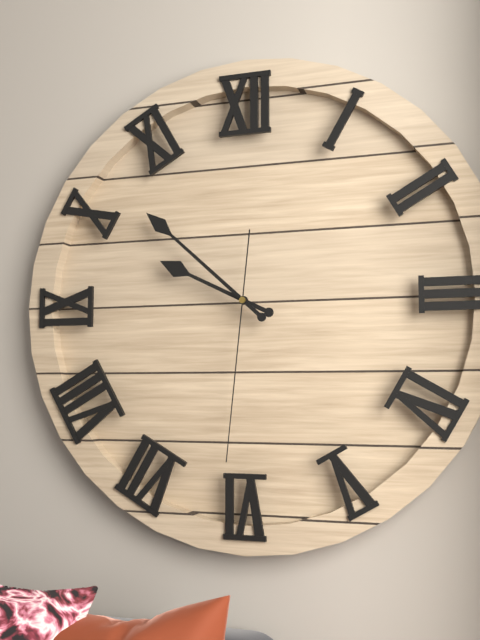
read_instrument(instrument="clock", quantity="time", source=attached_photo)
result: 9:52:31
